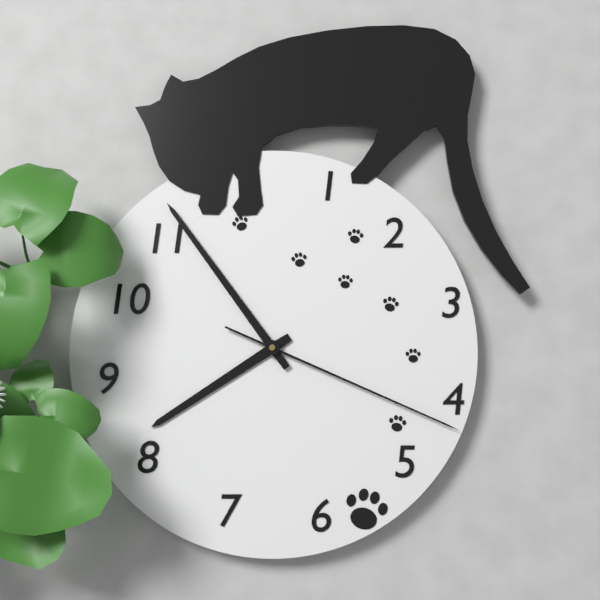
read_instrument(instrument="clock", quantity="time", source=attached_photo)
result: 7:54:19
